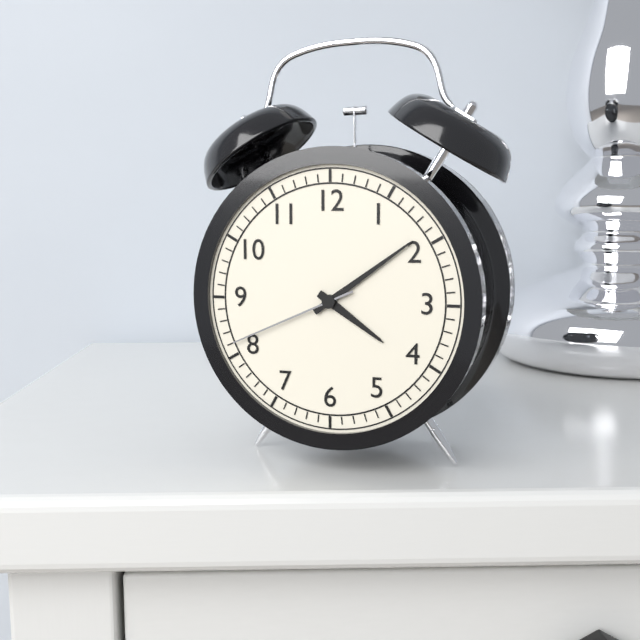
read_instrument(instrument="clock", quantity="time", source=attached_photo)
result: 4:09:41
